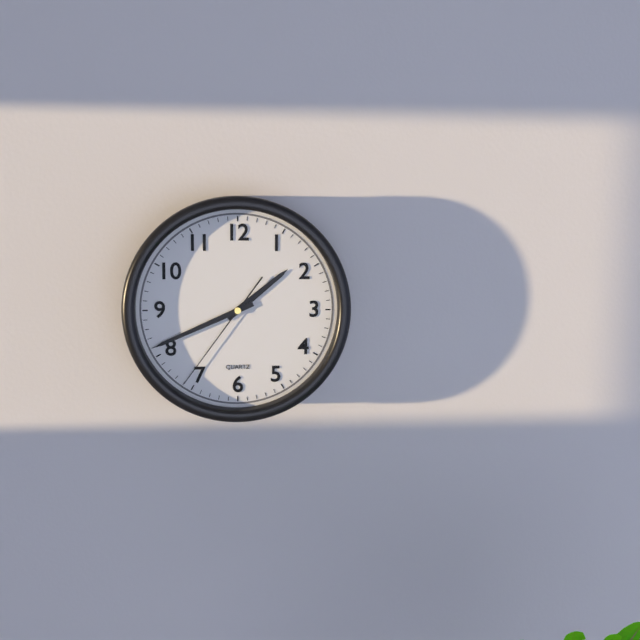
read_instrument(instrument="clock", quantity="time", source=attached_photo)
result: 1:41:36
